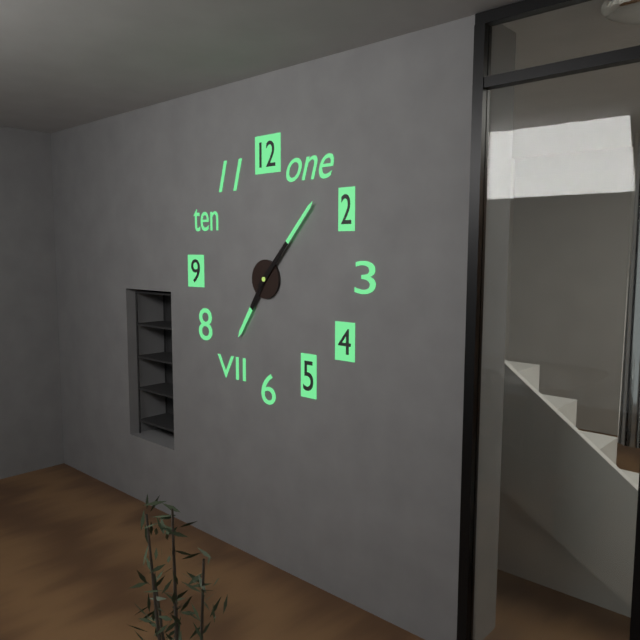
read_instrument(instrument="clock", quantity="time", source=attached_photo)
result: 7:07
